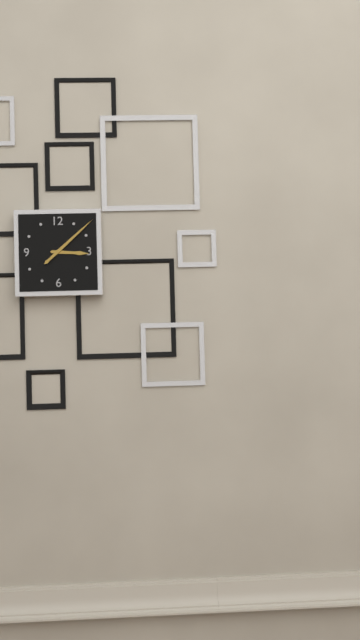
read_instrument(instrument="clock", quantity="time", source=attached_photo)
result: 3:08
